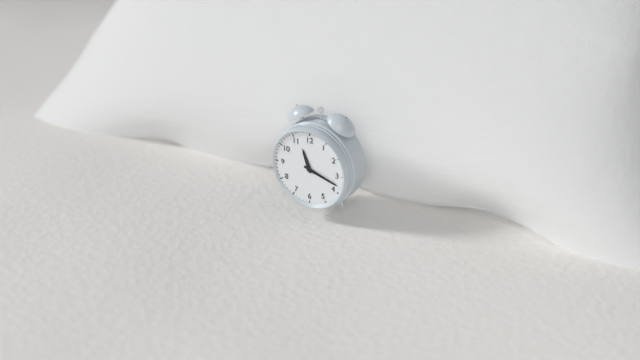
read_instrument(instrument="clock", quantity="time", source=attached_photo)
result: 11:18
